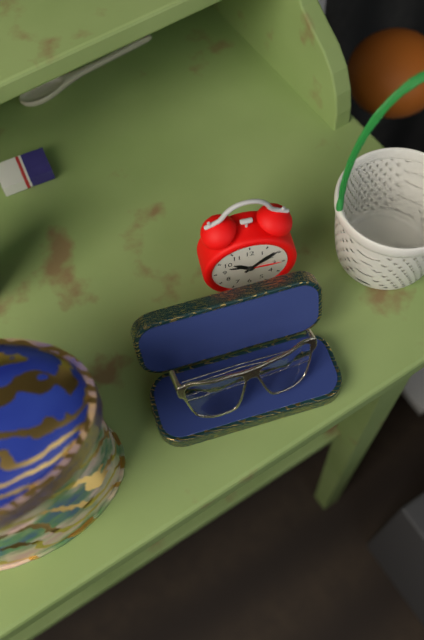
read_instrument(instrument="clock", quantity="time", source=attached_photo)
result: 10:08
